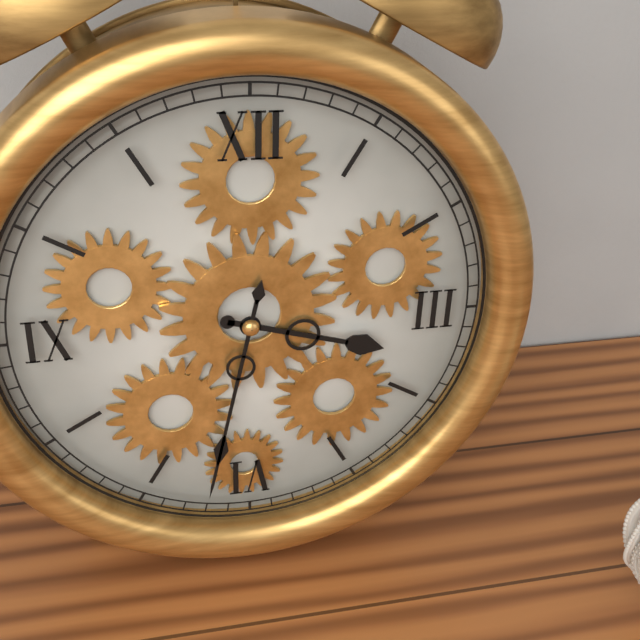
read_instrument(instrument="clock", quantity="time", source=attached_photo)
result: 3:32
